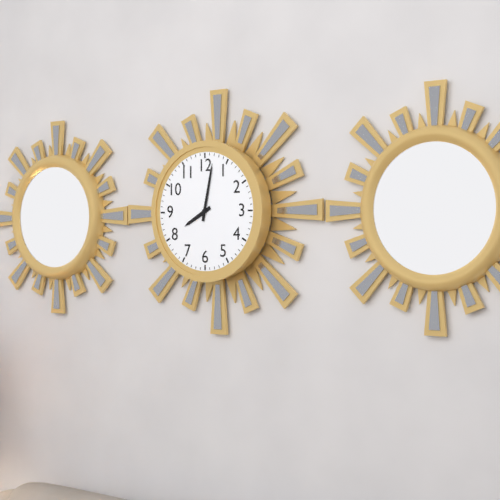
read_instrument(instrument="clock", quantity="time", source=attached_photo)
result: 8:02
